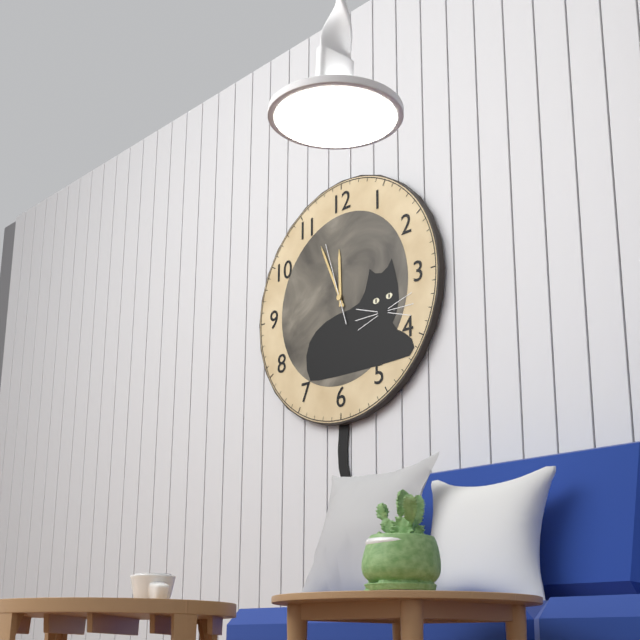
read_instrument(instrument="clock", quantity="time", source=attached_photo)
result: 11:56:57
